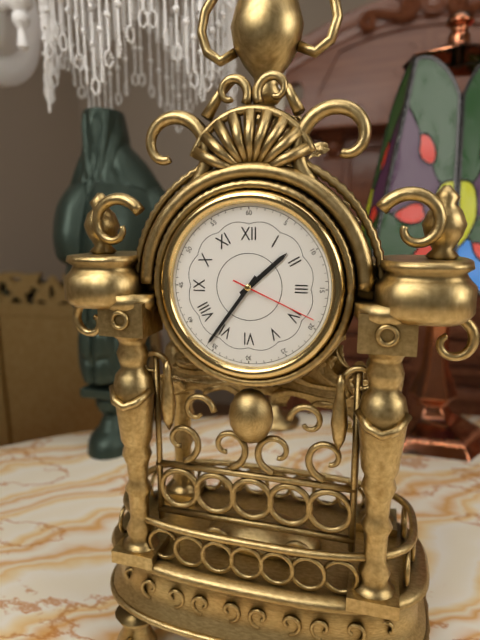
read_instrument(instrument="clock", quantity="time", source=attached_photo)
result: 1:36:19
